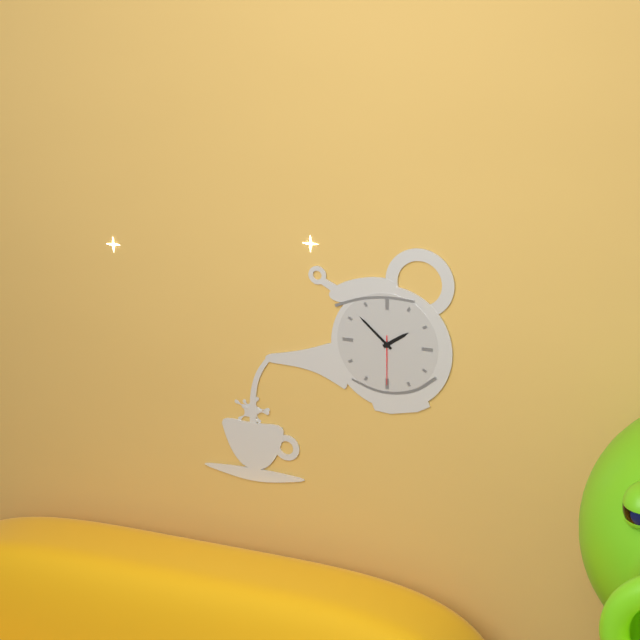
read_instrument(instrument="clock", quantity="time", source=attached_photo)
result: 1:52:30
